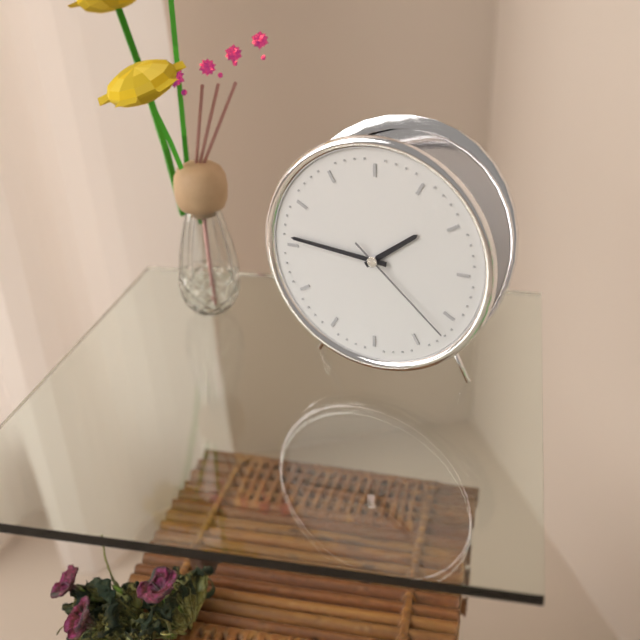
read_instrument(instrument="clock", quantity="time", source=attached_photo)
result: 1:46:22
